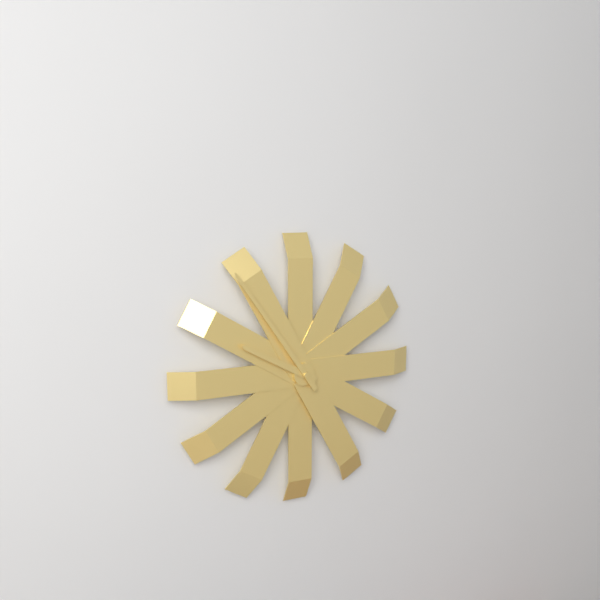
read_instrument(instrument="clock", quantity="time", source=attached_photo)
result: 9:54
